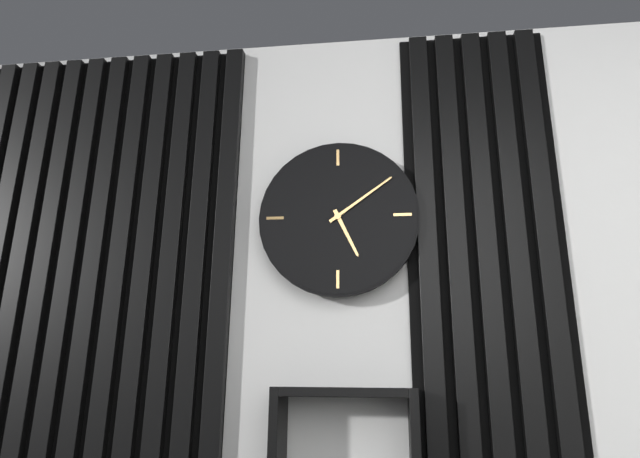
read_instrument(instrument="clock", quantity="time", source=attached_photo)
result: 5:09
